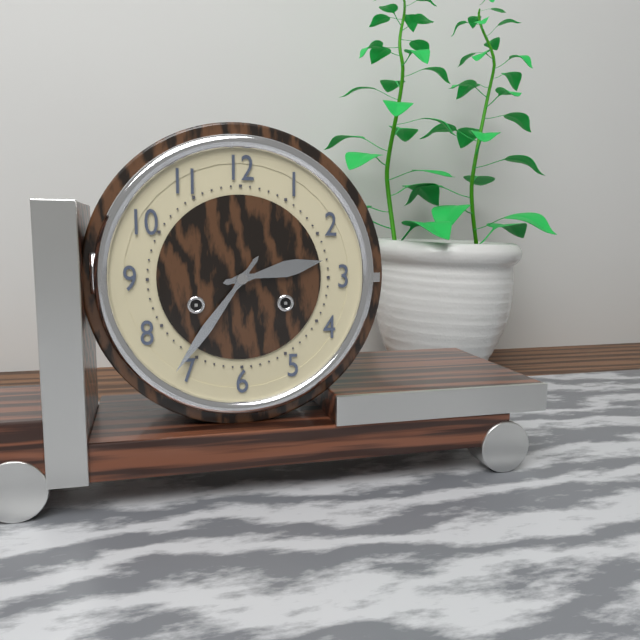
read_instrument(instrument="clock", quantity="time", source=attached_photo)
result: 2:36
